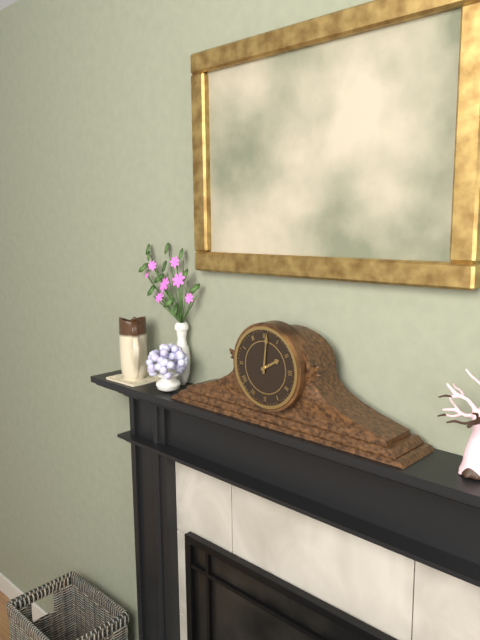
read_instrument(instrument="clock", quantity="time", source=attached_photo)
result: 2:01
